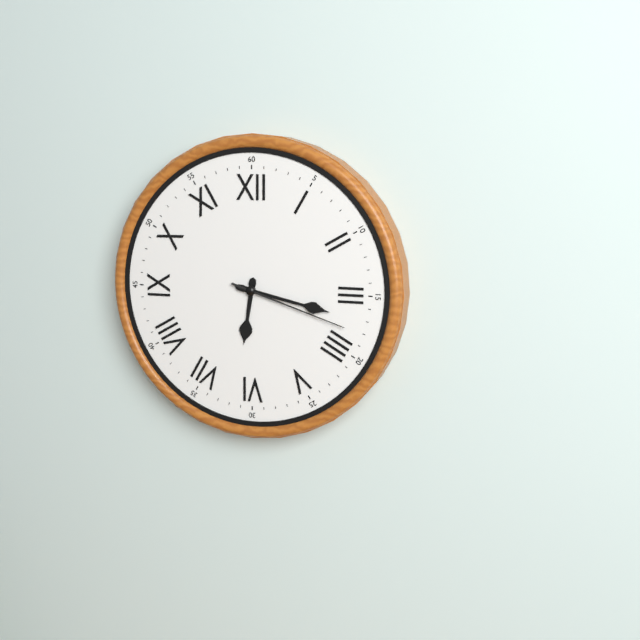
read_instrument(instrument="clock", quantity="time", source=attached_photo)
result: 6:17:18
